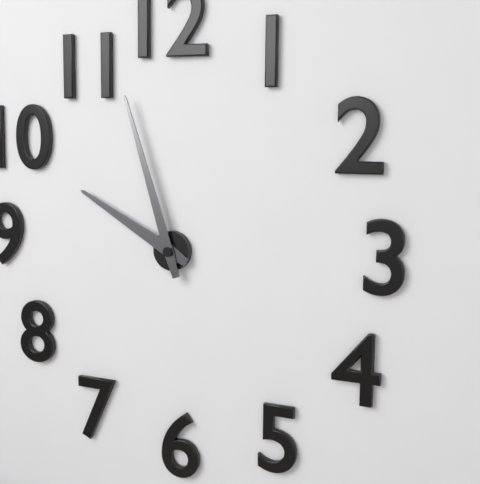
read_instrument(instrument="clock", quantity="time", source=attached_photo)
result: 9:57
